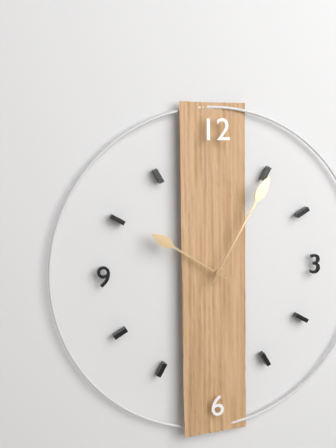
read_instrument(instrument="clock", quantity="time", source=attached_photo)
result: 10:05
